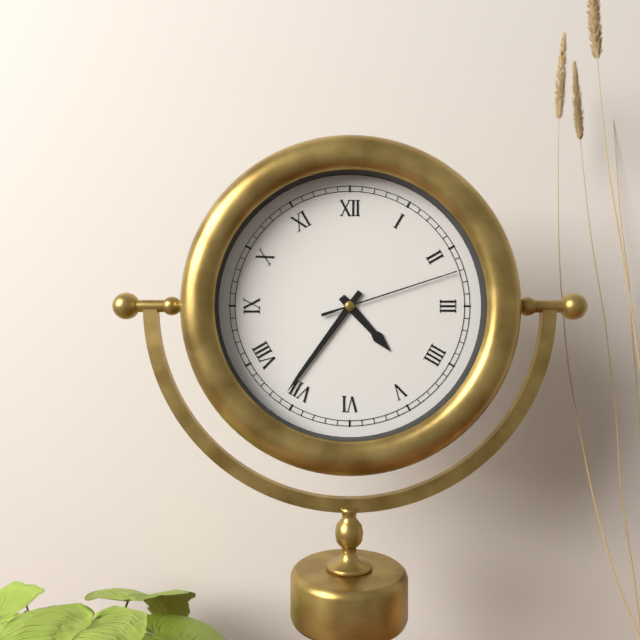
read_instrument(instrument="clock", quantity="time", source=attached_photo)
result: 4:36:12
